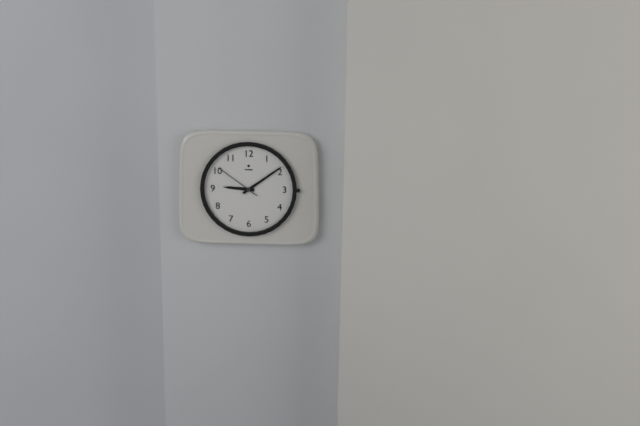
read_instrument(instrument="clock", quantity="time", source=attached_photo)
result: 9:09
